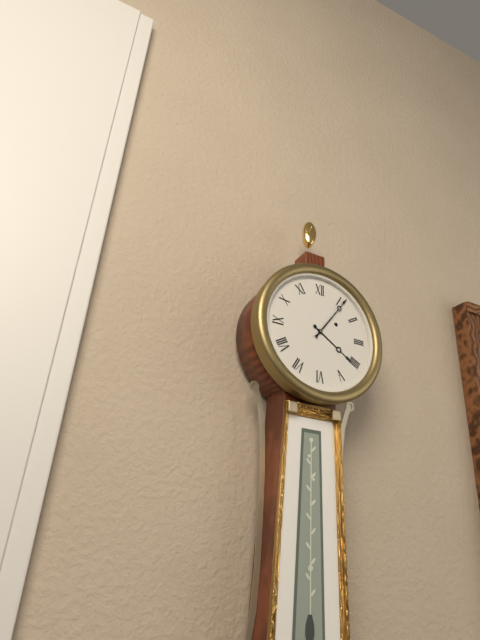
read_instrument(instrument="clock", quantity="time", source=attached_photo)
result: 4:06
